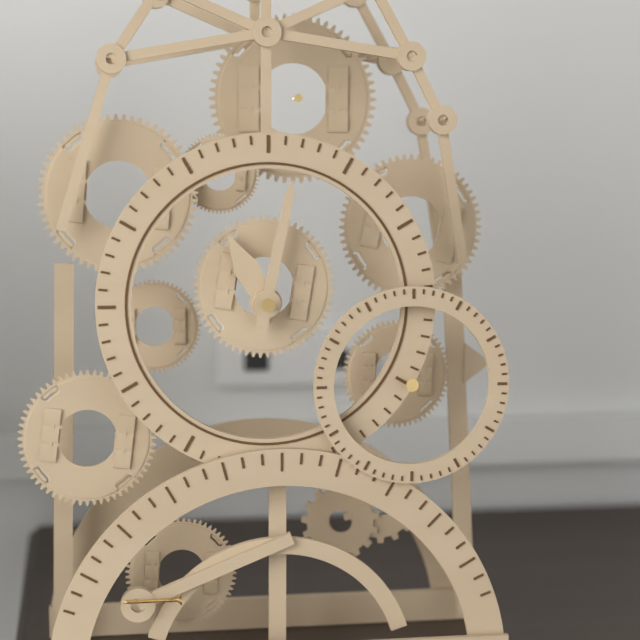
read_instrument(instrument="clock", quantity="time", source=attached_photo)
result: 11:02
